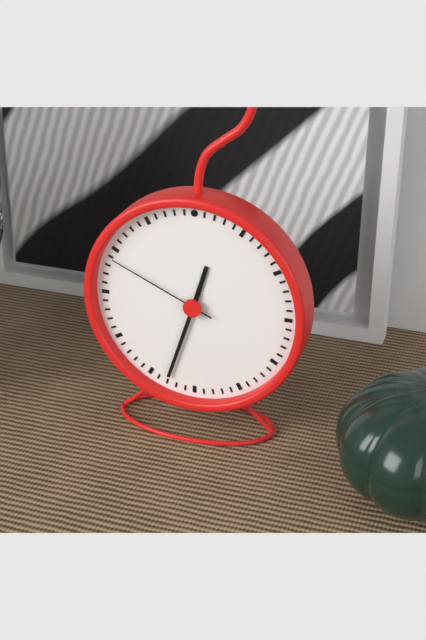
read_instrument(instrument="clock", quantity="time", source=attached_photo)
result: 12:33:49
